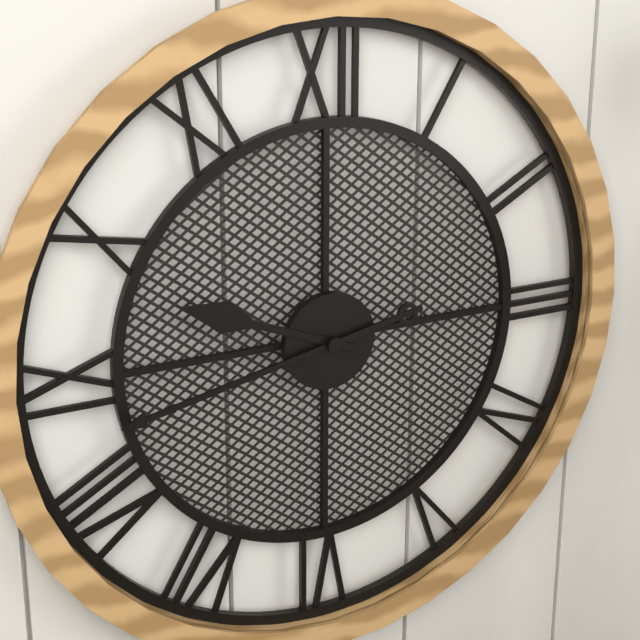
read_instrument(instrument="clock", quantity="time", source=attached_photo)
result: 9:43
